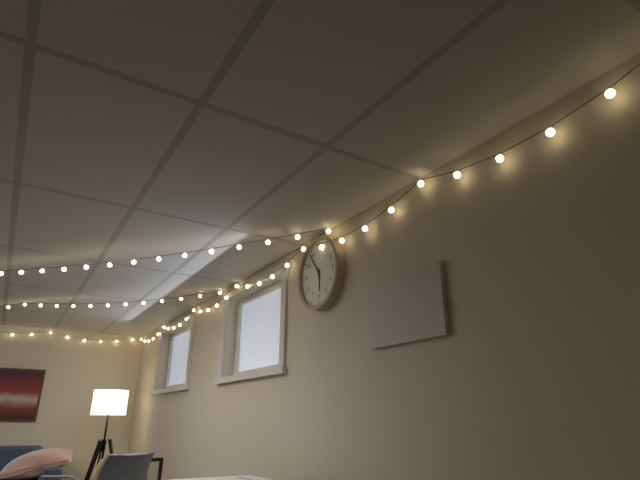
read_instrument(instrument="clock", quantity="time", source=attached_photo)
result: 5:54
